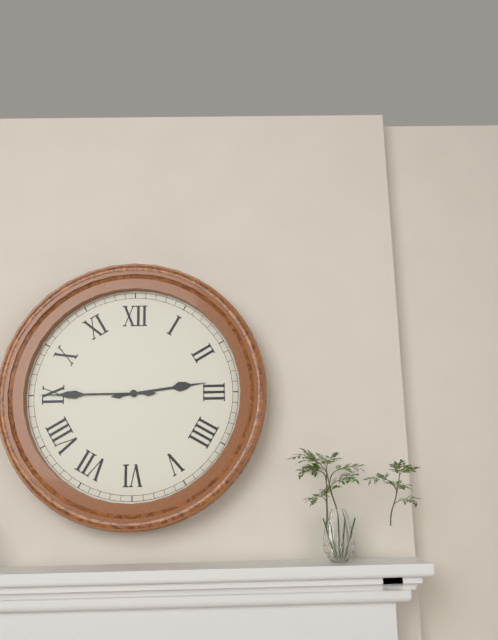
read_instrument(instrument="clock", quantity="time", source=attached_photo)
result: 2:45
